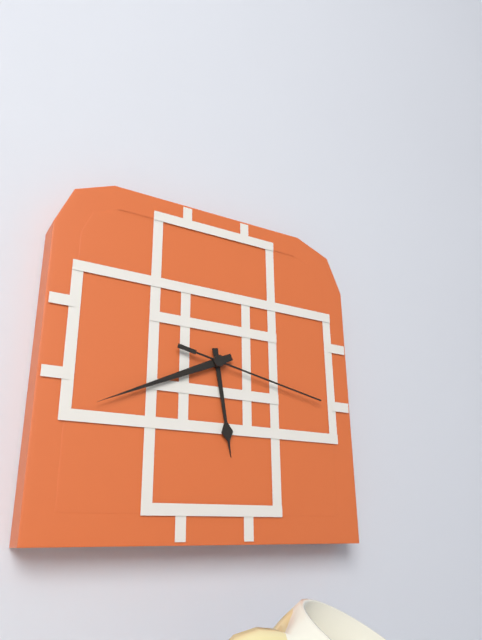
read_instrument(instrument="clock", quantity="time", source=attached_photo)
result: 5:41:17
